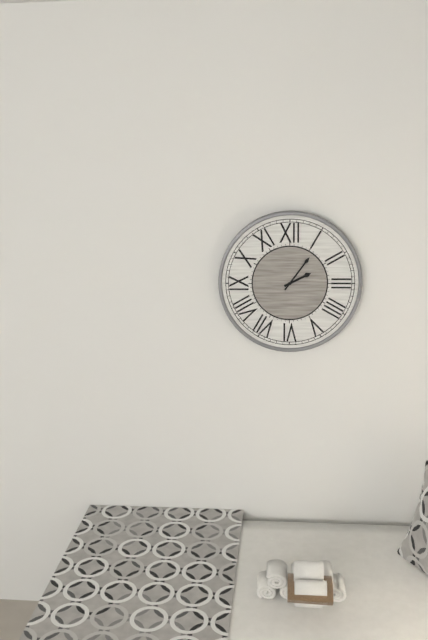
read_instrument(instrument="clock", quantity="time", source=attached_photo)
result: 2:06
